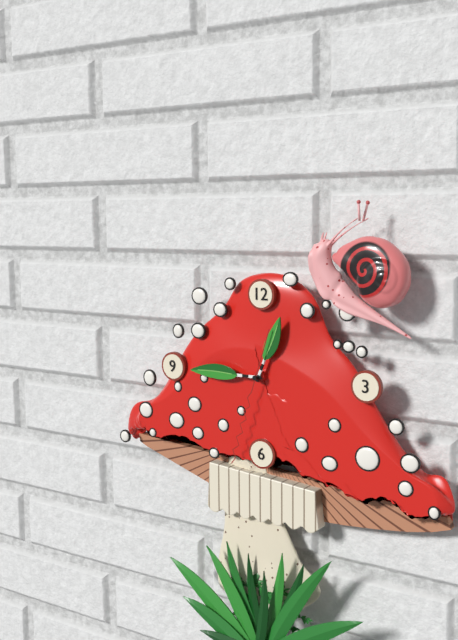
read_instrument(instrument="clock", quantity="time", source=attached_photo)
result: 12:45:33
